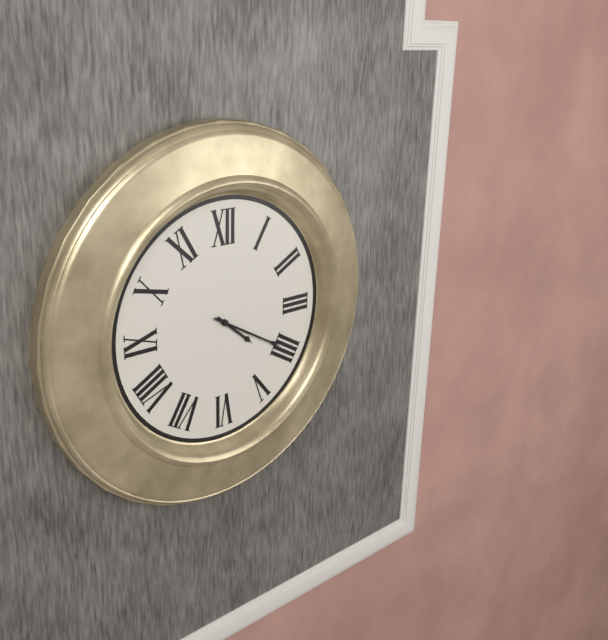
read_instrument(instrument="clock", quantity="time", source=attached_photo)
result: 4:20
